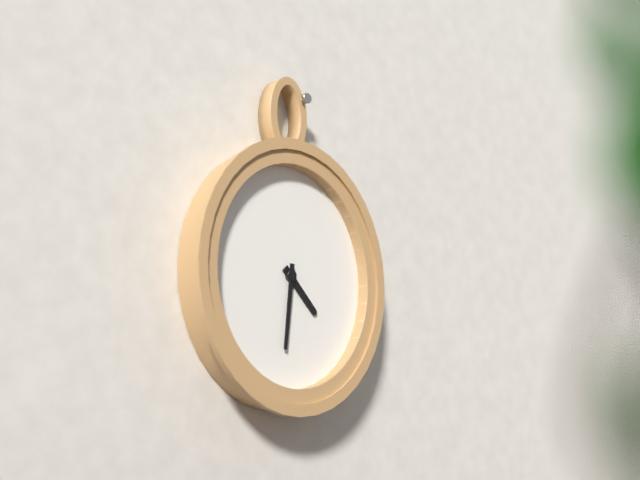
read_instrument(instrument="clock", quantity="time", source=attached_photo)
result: 4:31
